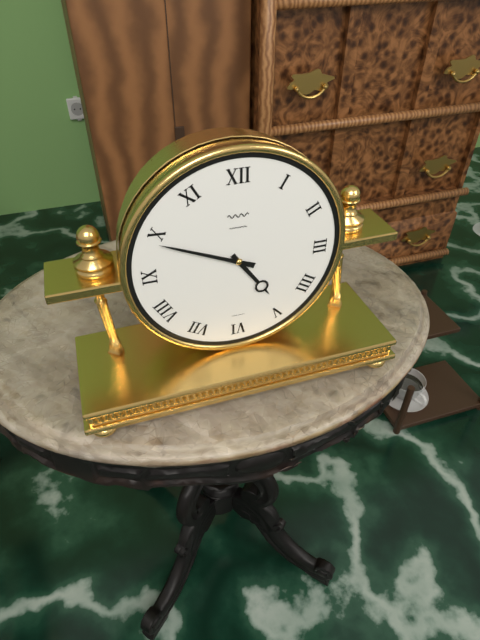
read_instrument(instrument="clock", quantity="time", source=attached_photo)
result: 4:49
